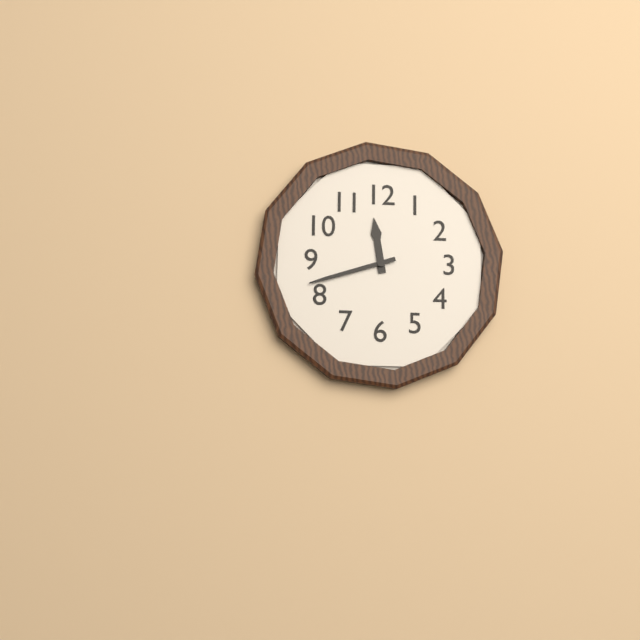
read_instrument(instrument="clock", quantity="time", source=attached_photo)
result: 11:42
